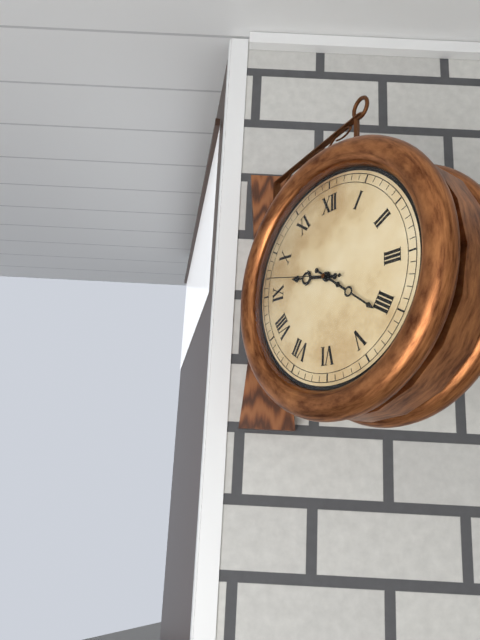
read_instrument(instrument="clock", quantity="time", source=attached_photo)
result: 9:21:47
